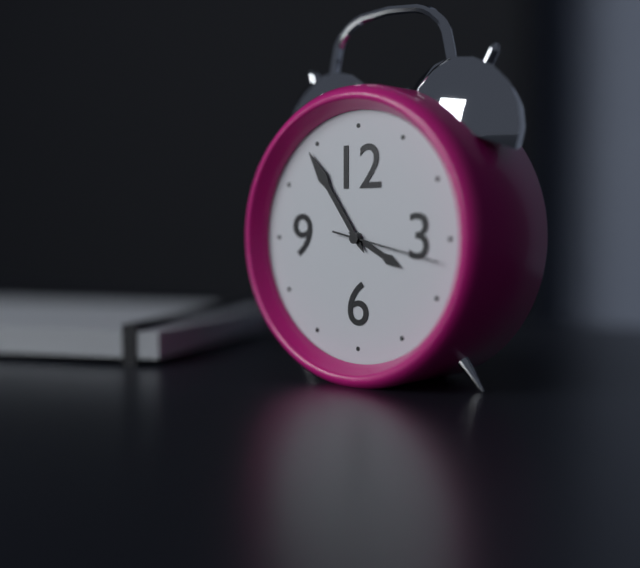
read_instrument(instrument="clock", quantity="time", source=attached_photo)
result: 3:54:17
